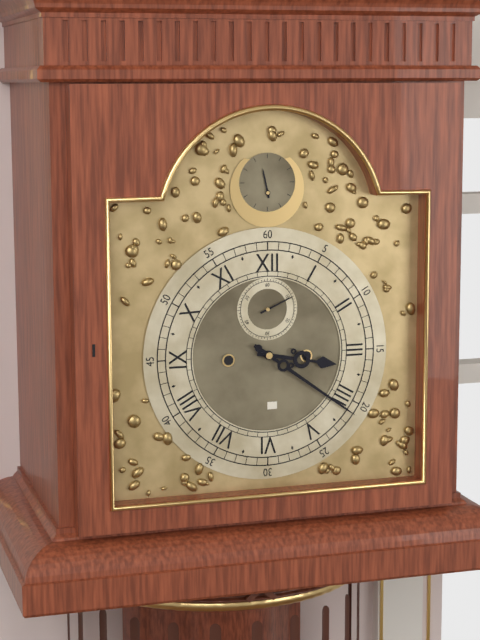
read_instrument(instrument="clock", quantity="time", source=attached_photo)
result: 3:21
